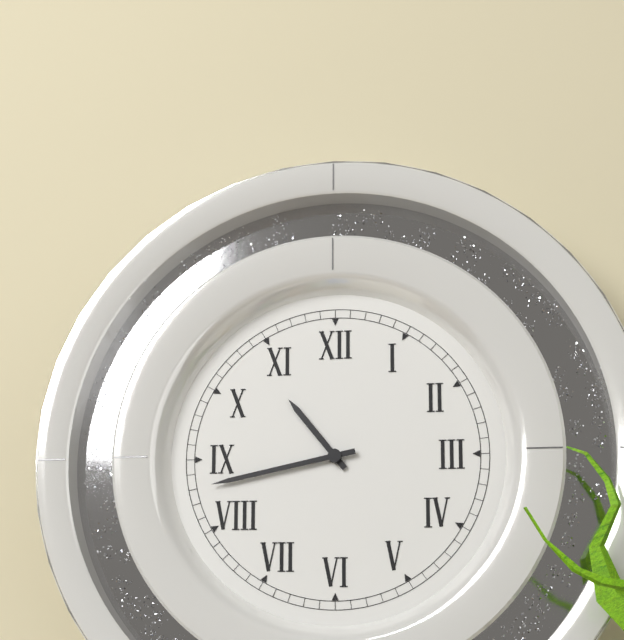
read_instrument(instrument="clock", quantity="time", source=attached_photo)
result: 10:43
